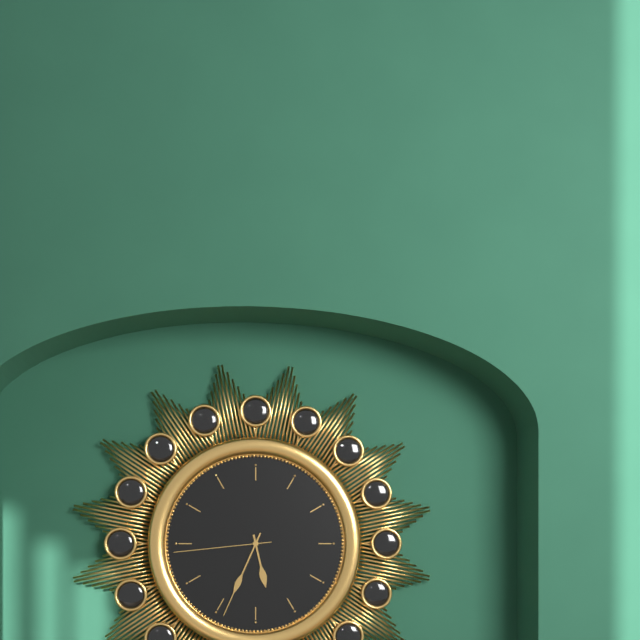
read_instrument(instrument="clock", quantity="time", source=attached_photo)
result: 5:34:44
